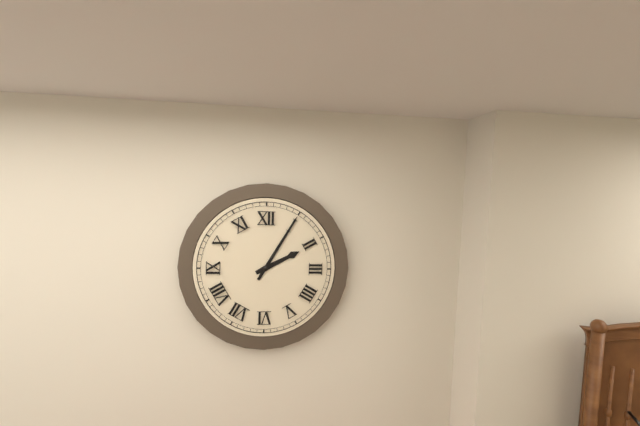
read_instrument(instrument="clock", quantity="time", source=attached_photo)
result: 2:05
